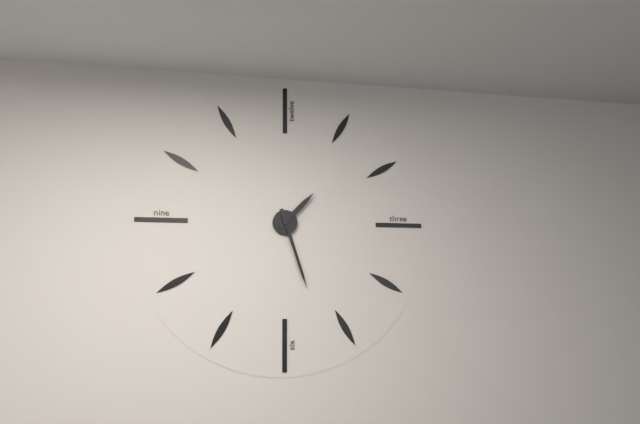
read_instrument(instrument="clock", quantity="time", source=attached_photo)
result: 1:27
